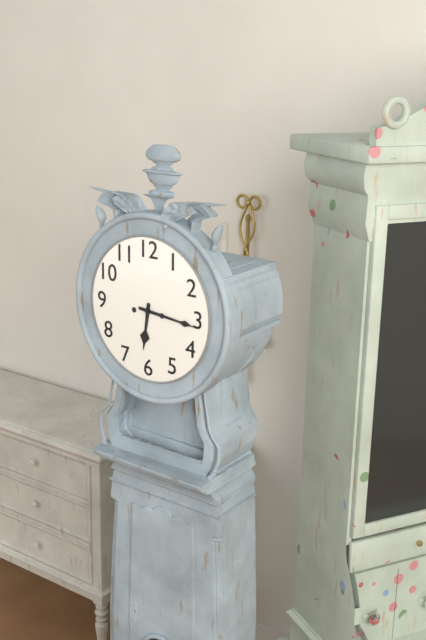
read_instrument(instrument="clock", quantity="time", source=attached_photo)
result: 6:16
